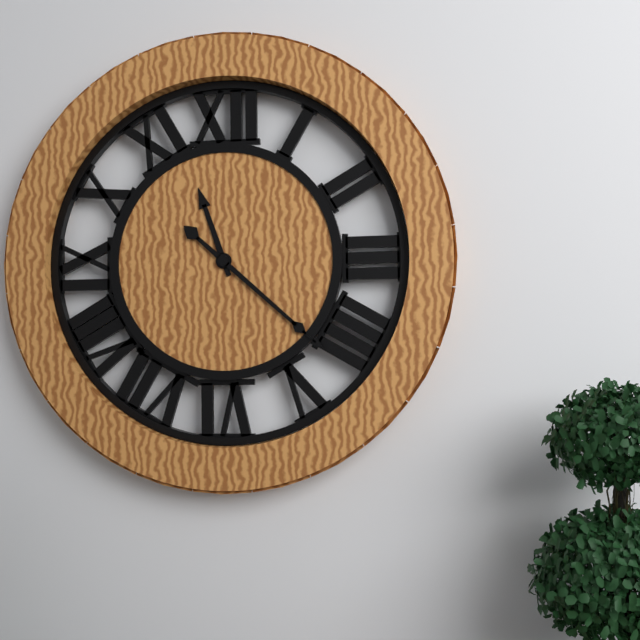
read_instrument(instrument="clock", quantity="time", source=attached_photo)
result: 11:22
